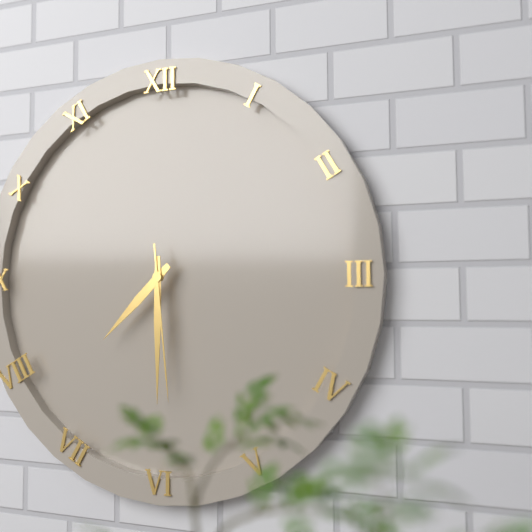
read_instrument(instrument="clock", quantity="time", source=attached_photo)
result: 7:30:29
